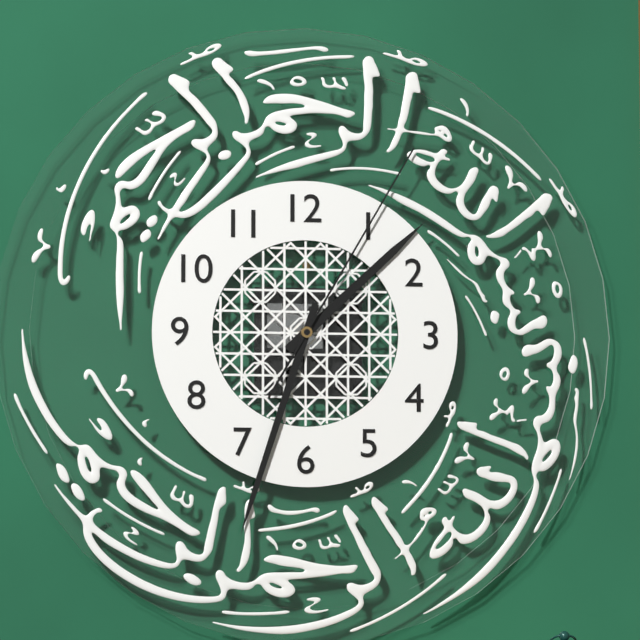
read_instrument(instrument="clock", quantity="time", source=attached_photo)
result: 1:33:05
